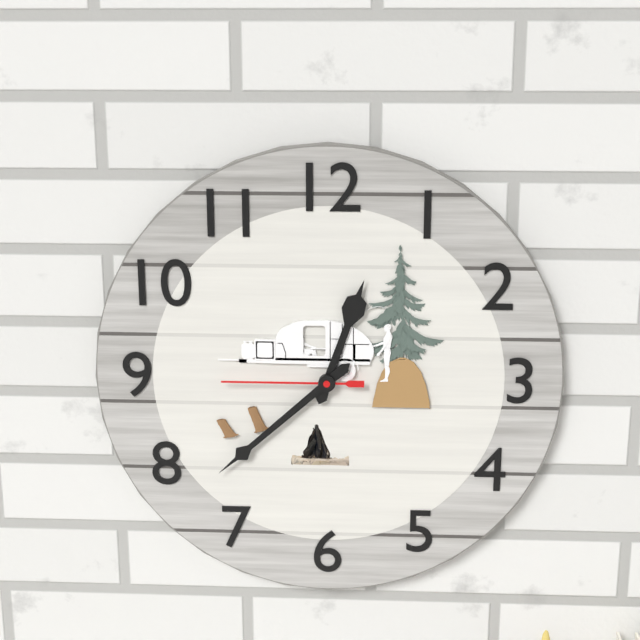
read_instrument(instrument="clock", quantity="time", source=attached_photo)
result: 12:38:45
